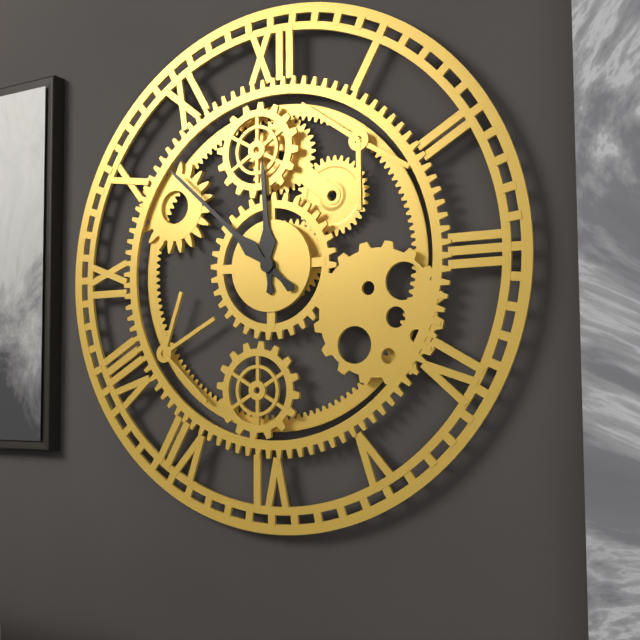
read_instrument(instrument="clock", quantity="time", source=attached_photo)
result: 11:52
